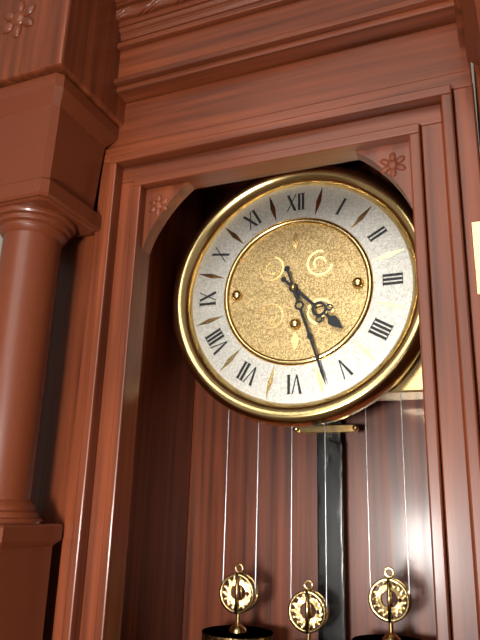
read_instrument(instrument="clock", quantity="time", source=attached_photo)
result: 4:27
